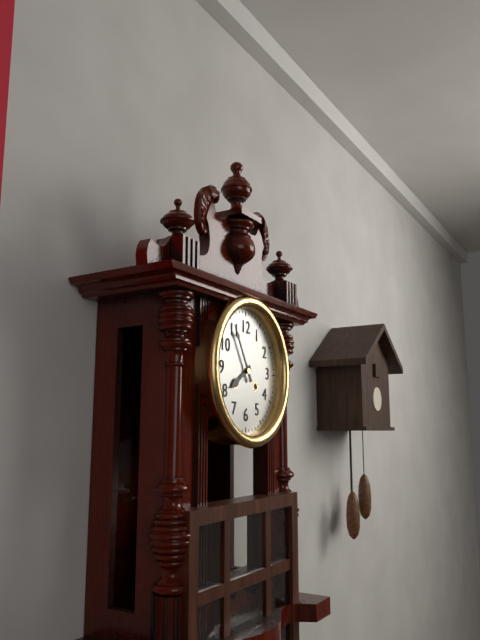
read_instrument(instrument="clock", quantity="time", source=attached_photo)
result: 7:55
